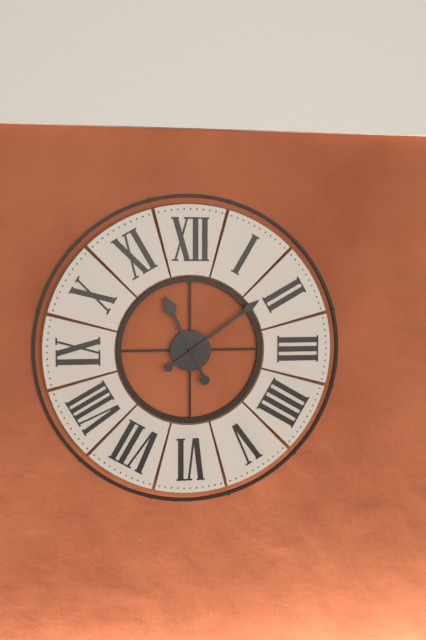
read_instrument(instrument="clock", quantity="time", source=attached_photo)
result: 11:09
